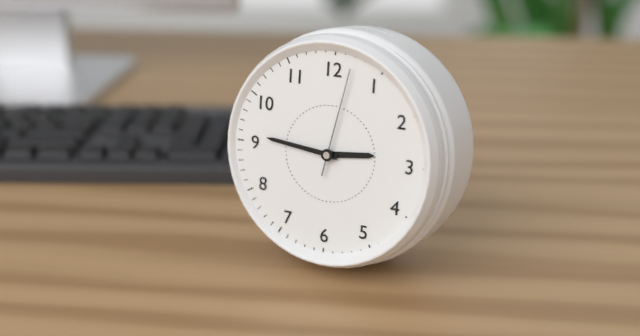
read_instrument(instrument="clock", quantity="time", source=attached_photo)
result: 2:46:02
